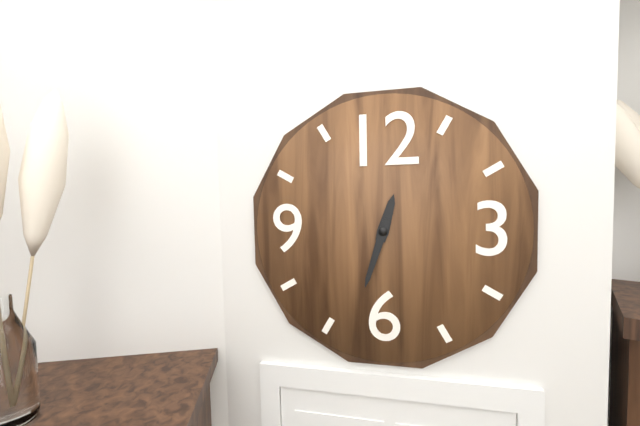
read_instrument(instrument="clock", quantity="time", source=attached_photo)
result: 12:33
